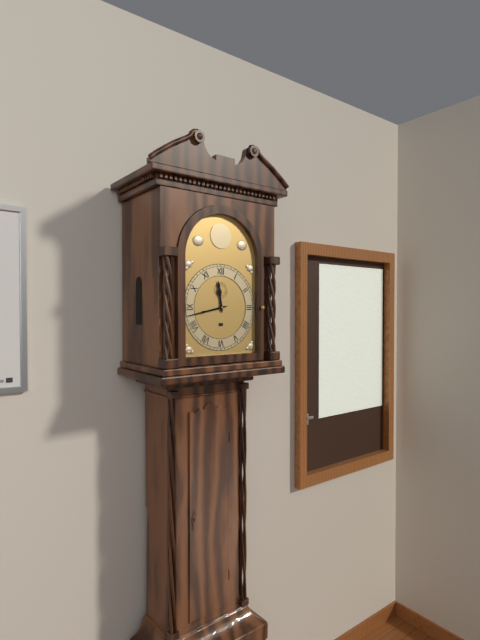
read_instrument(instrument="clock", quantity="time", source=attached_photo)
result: 11:43
